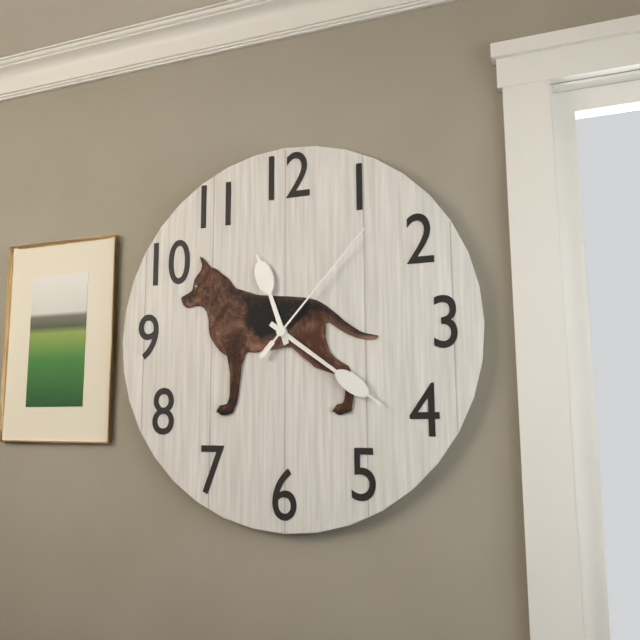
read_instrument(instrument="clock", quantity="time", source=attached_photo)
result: 11:21:07
